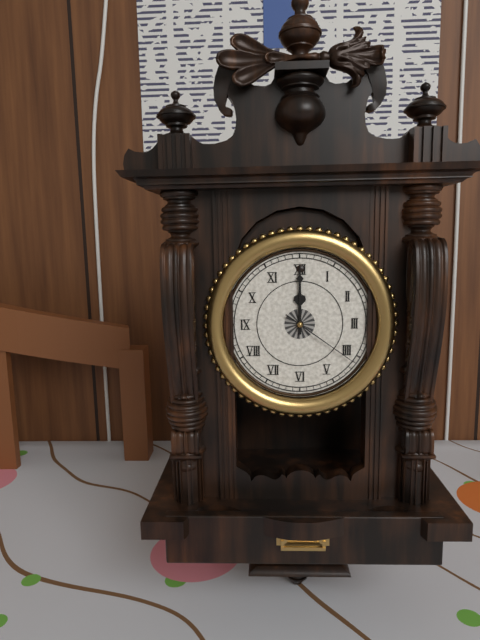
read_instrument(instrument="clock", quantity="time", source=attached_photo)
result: 12:00:21
